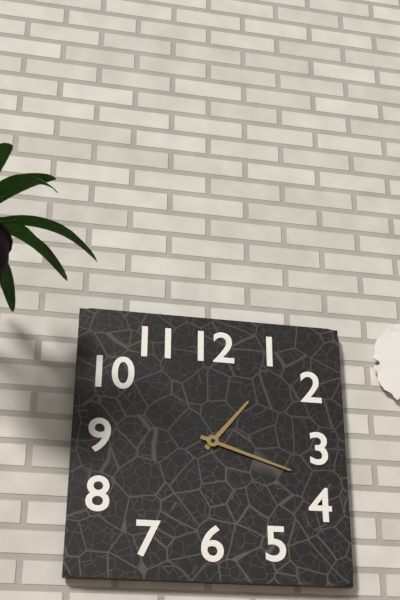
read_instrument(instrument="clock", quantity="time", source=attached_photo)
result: 1:18
